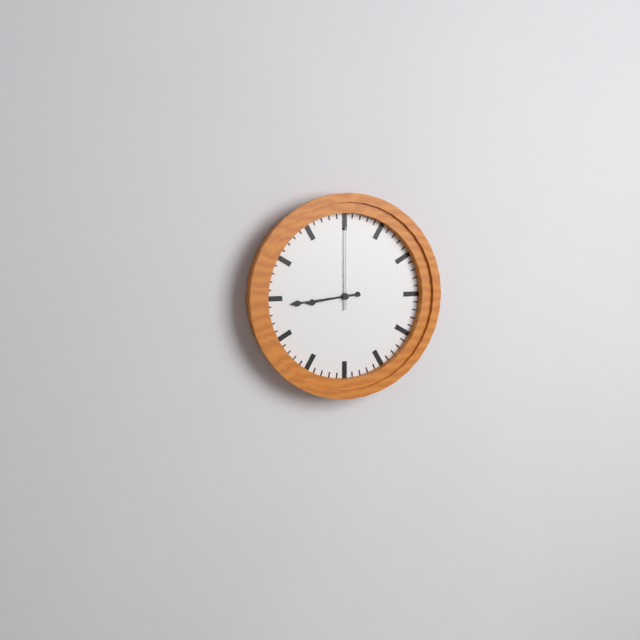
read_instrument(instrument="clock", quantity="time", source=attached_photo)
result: 8:44:00
